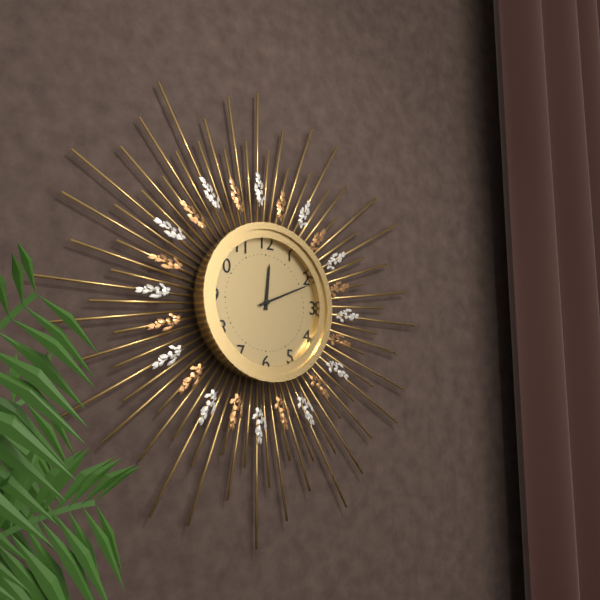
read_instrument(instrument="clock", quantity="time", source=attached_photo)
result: 12:11
